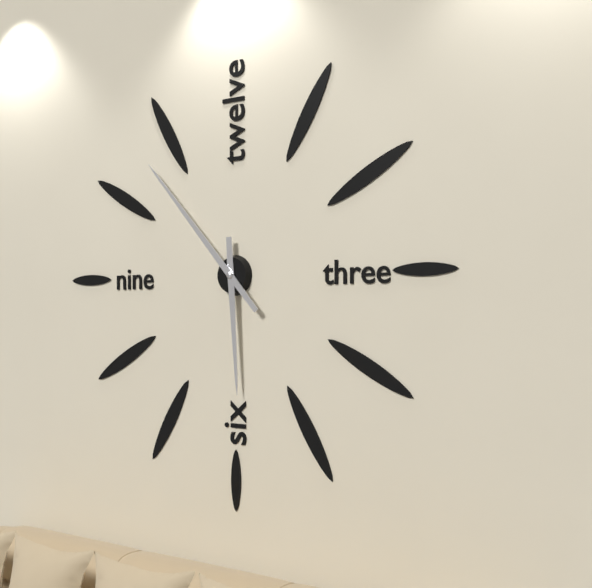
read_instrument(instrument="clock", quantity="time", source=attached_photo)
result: 5:53
